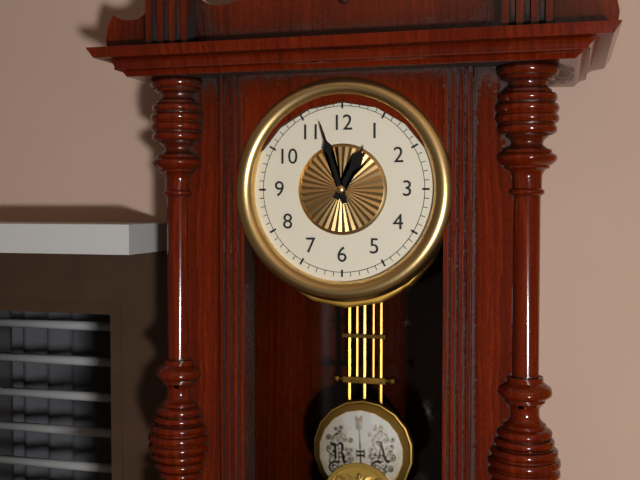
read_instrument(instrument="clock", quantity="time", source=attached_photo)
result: 12:57
